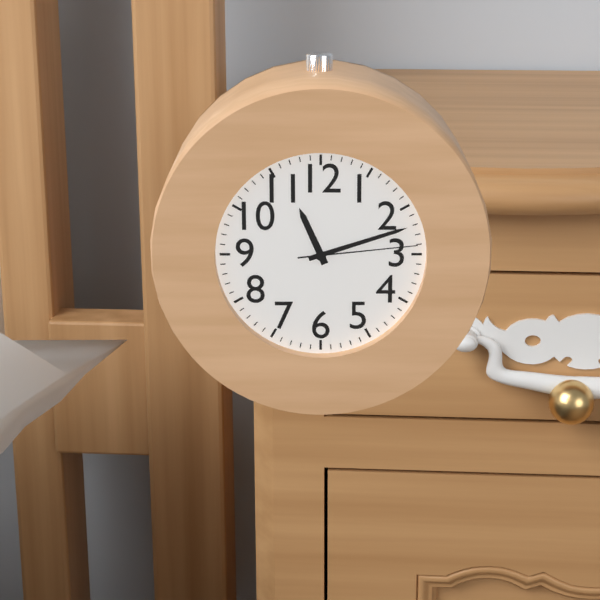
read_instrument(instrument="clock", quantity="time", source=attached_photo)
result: 11:12:14
